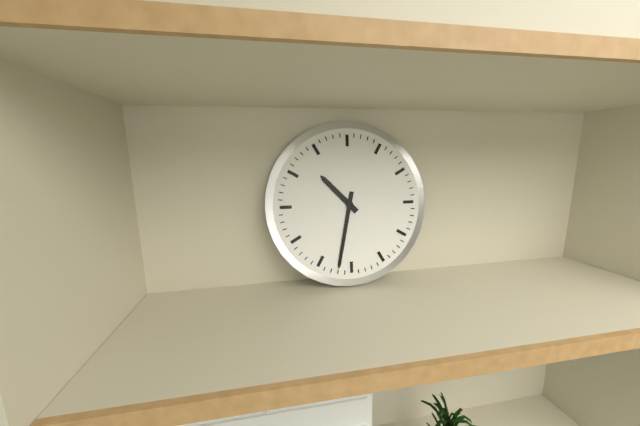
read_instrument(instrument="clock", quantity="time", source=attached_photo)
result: 10:32
